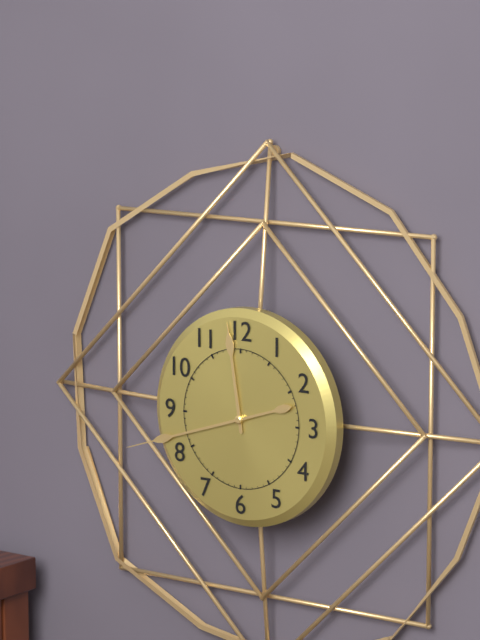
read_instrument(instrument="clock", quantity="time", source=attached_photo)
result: 11:42
